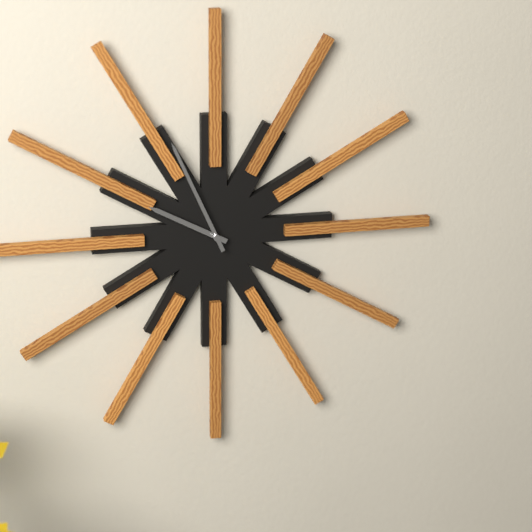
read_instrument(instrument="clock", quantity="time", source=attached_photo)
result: 9:56
